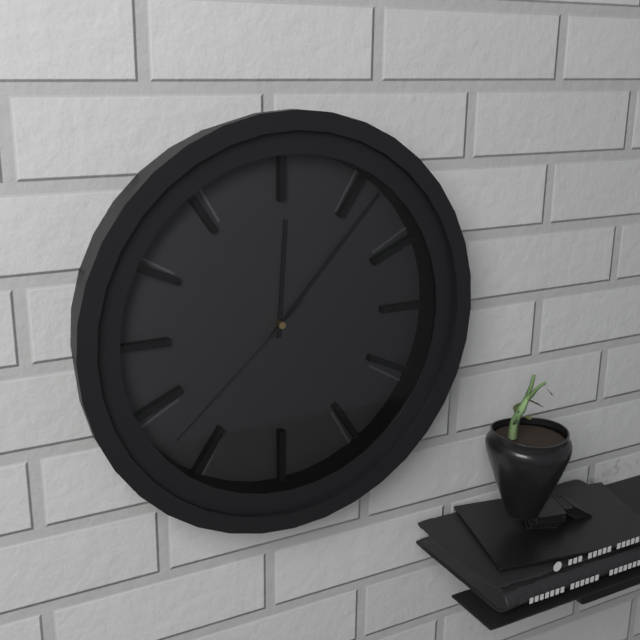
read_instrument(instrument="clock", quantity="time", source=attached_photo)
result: 12:07:38
